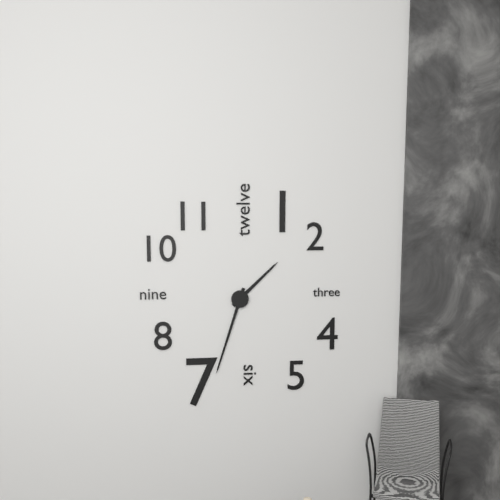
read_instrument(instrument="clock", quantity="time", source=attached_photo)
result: 1:33
